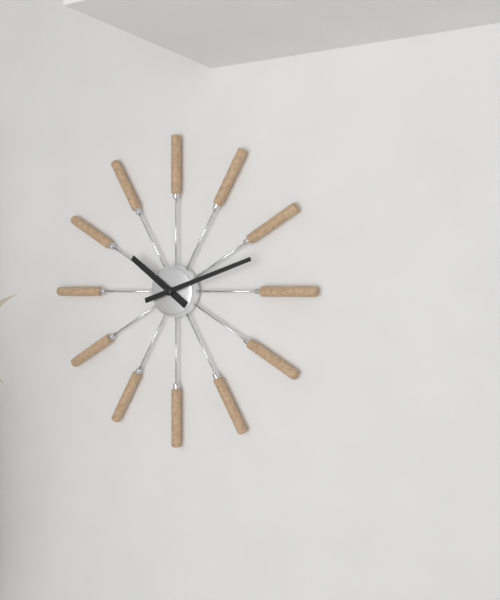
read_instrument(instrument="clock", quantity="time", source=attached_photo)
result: 10:12
